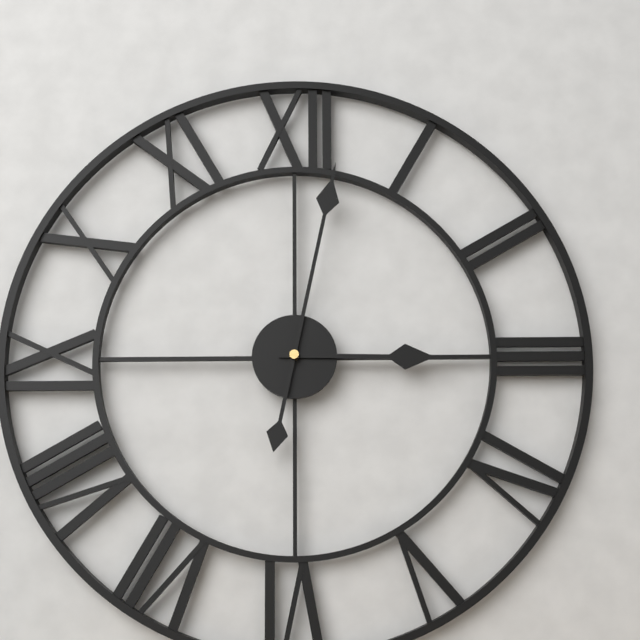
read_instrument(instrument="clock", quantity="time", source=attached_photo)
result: 3:02
